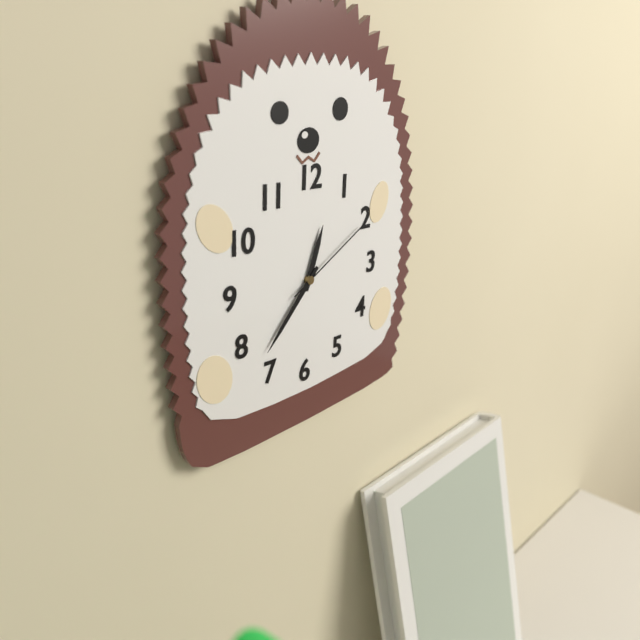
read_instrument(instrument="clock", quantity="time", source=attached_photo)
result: 12:37:10
